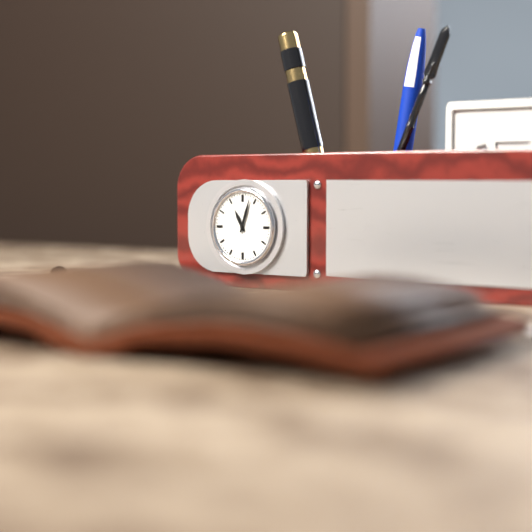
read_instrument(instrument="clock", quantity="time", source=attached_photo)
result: 11:03
